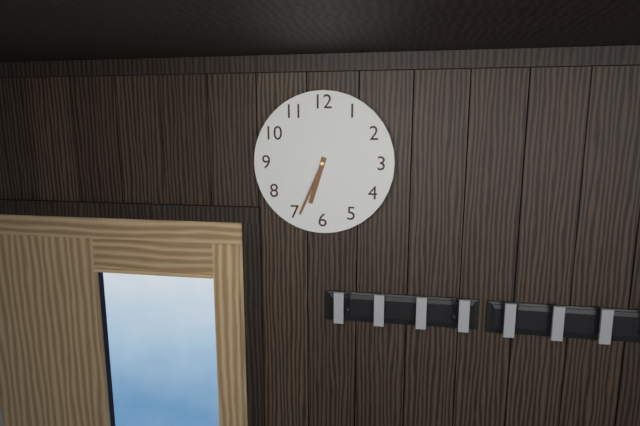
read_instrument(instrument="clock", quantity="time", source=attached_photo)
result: 6:34
